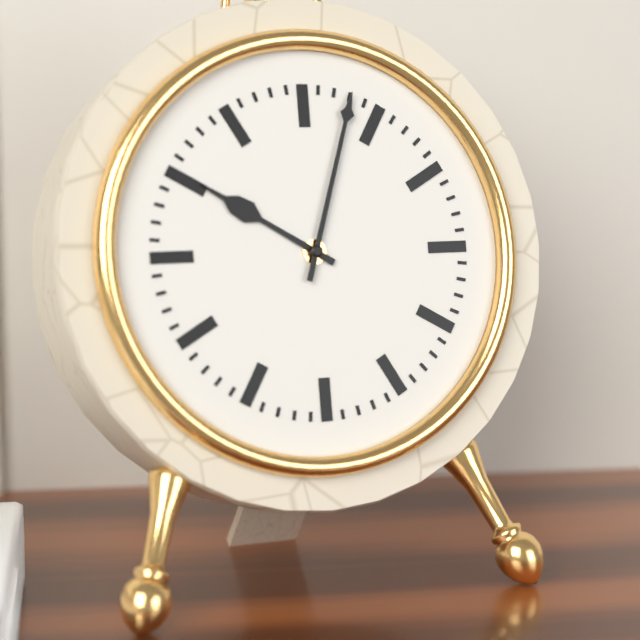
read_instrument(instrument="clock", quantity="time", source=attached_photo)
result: 10:03
